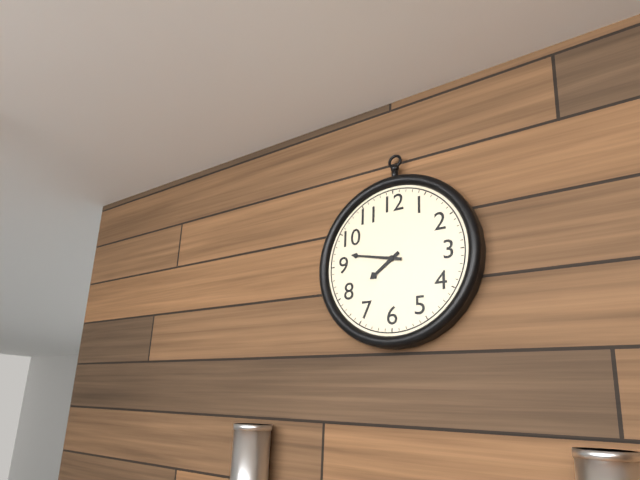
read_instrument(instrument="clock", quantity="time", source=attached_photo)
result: 7:47
